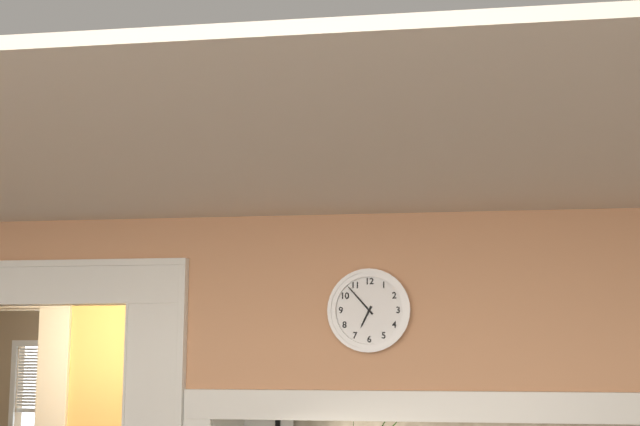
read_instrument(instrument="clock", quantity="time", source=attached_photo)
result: 6:53
